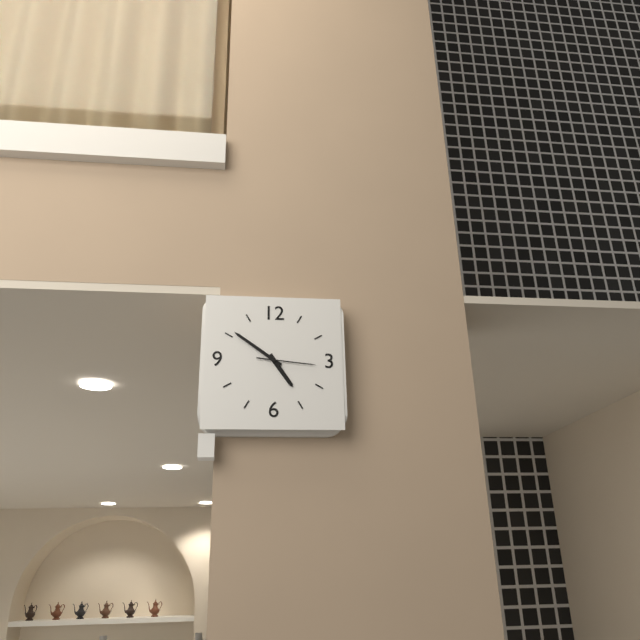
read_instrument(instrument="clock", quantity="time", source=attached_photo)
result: 4:51:16
